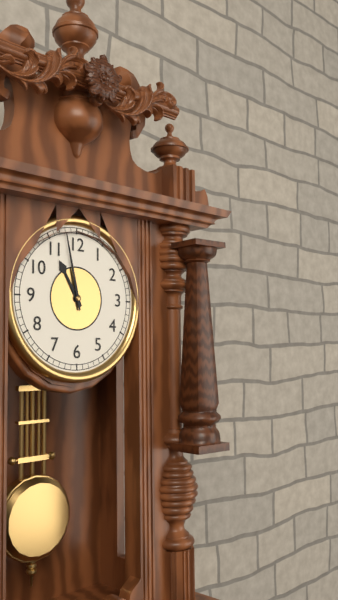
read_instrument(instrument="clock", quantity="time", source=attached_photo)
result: 10:58
